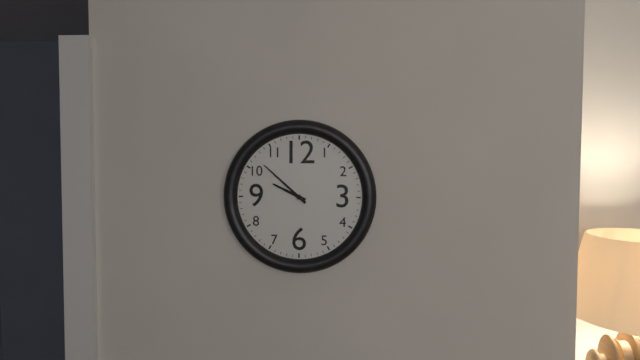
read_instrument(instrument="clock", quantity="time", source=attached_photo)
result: 9:52
